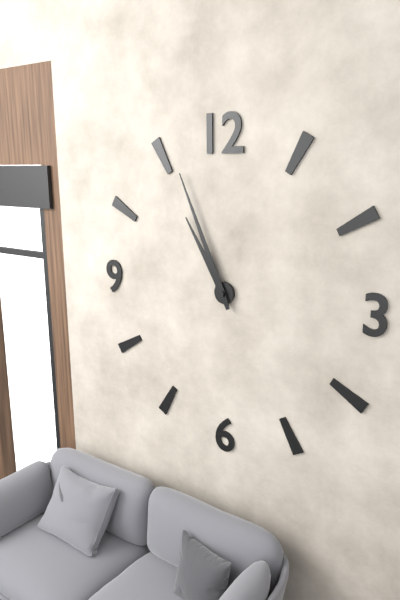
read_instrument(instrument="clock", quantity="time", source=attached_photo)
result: 10:56
